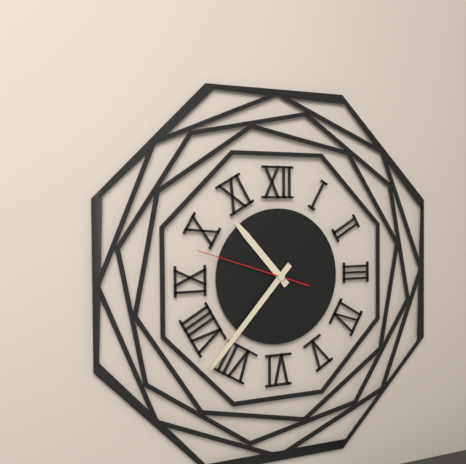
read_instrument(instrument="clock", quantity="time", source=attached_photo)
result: 10:37:48
